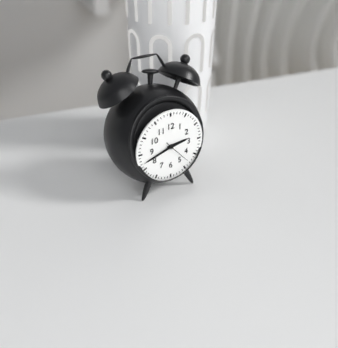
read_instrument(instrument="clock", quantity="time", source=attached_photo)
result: 2:42
